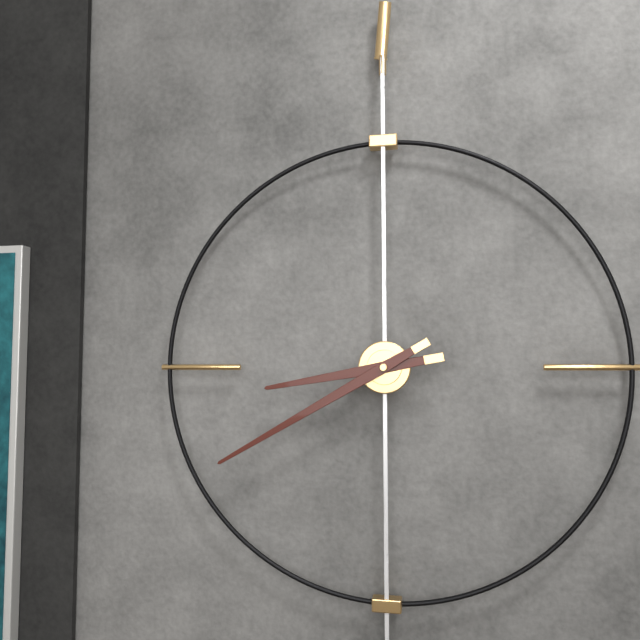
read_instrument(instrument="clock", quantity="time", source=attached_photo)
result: 8:40
